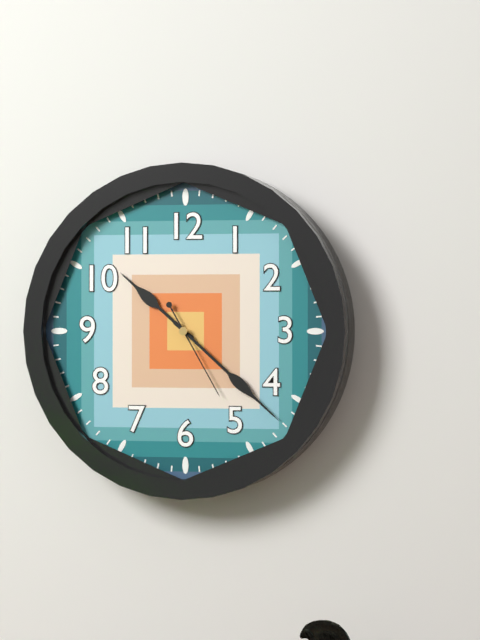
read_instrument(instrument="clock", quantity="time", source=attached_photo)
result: 10:22:25
